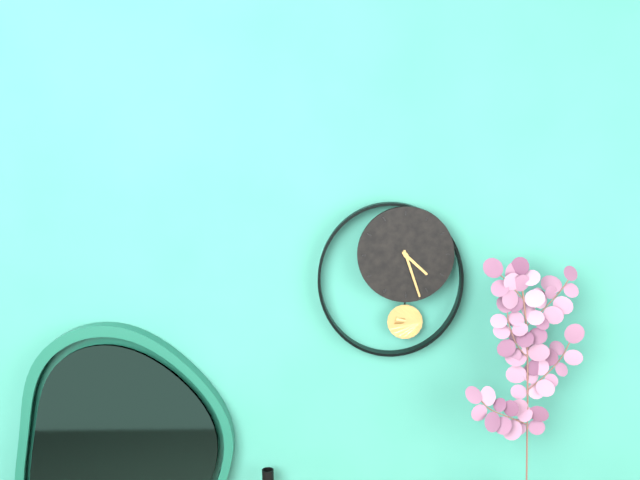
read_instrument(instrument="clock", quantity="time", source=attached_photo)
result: 4:27
